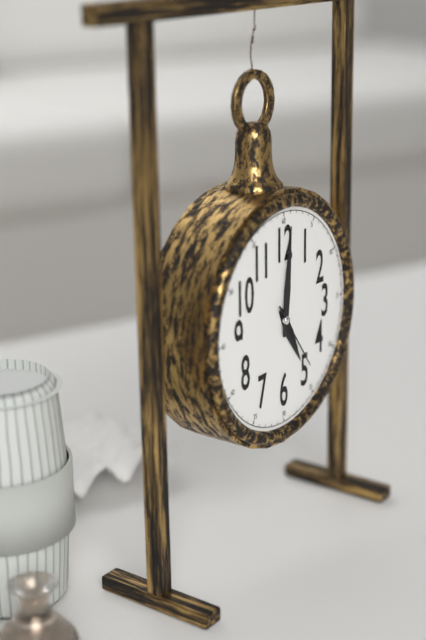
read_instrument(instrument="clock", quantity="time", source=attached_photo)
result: 5:01:24
